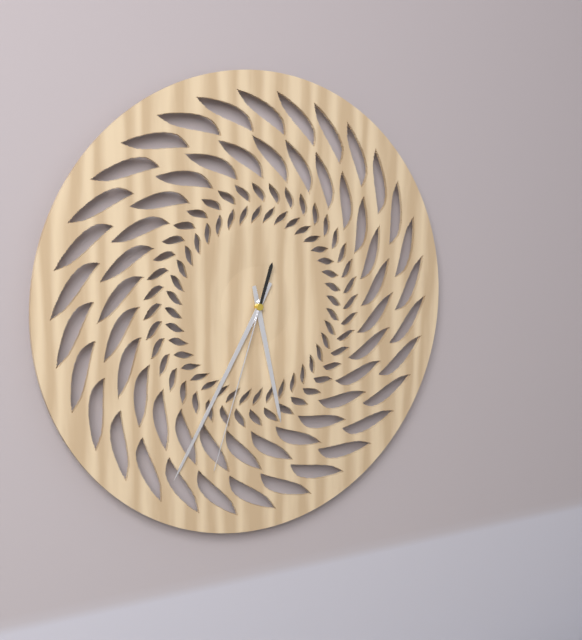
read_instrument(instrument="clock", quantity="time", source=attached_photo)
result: 5:35:33
